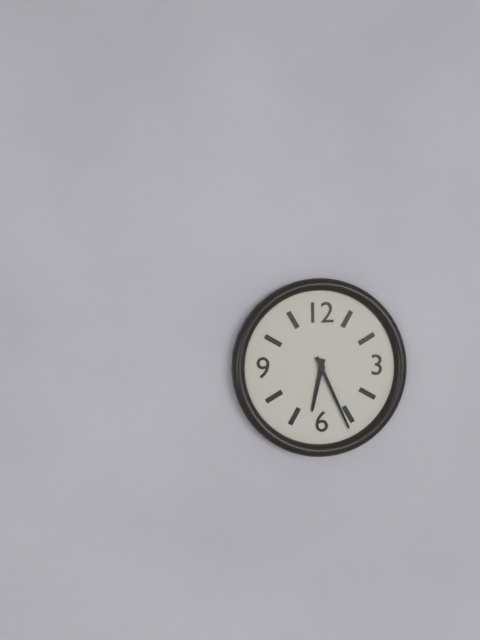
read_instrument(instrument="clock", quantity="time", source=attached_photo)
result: 6:26
